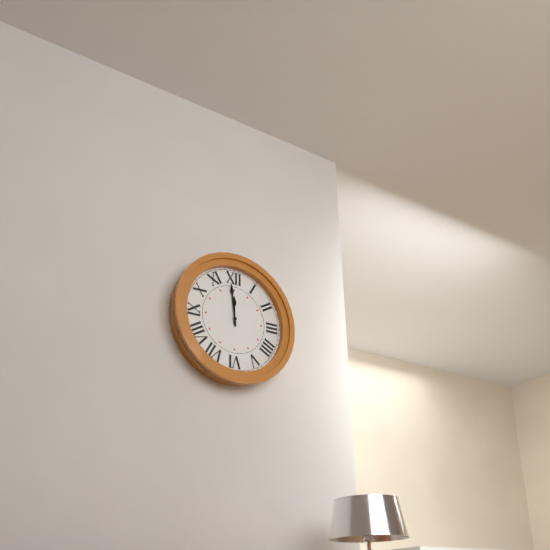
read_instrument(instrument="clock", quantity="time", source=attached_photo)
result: 11:59
